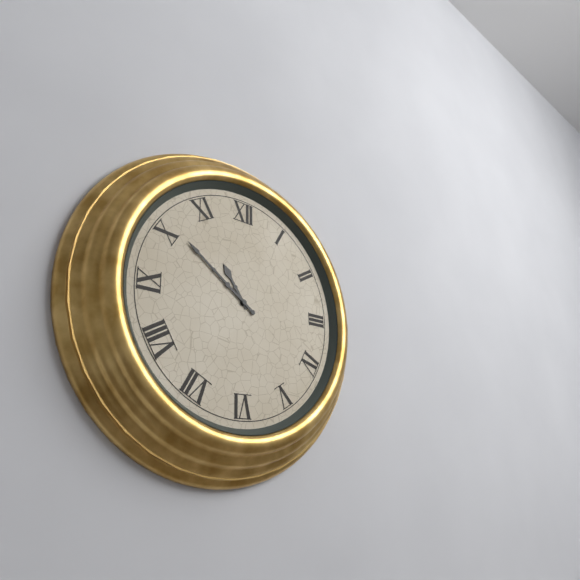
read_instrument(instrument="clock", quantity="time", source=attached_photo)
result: 10:51
